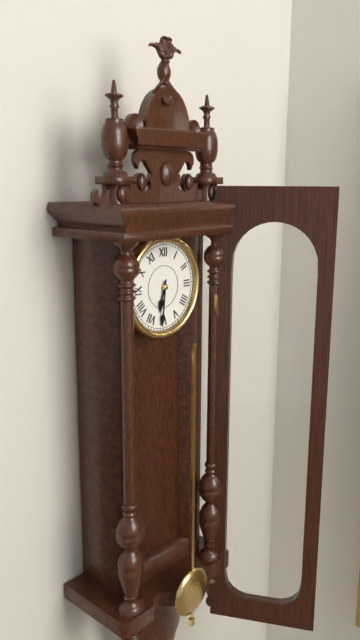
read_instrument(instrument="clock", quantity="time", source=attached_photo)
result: 6:31
